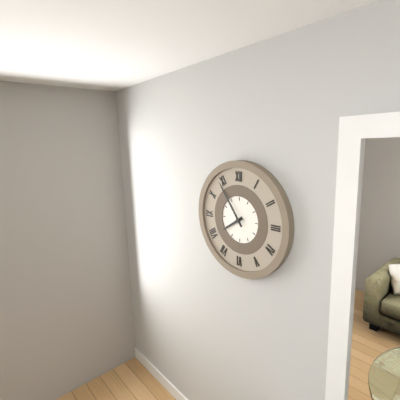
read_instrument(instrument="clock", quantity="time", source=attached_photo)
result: 7:54
